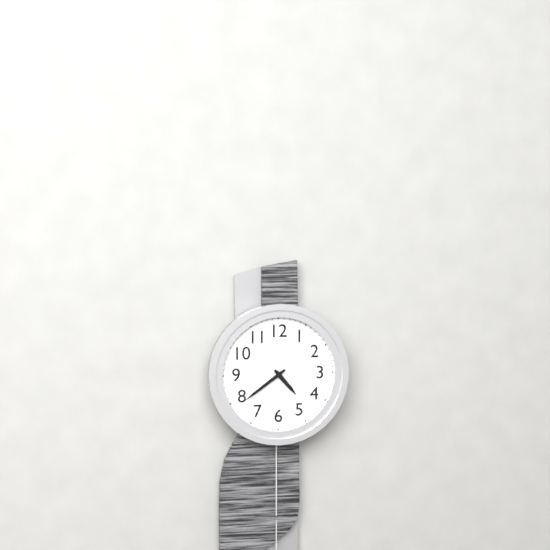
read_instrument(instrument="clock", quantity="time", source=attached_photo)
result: 4:39
